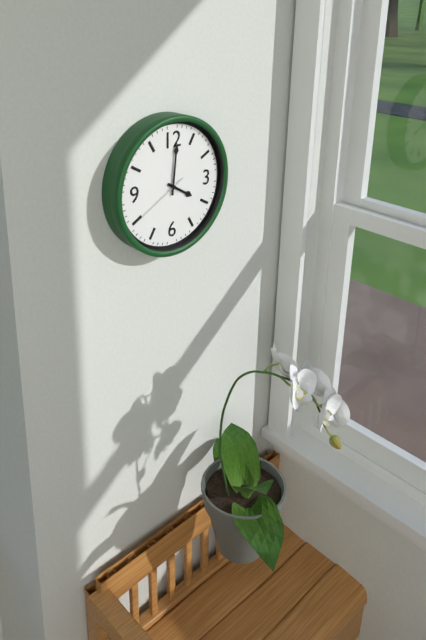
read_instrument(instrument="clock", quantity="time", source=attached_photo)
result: 4:01:40
